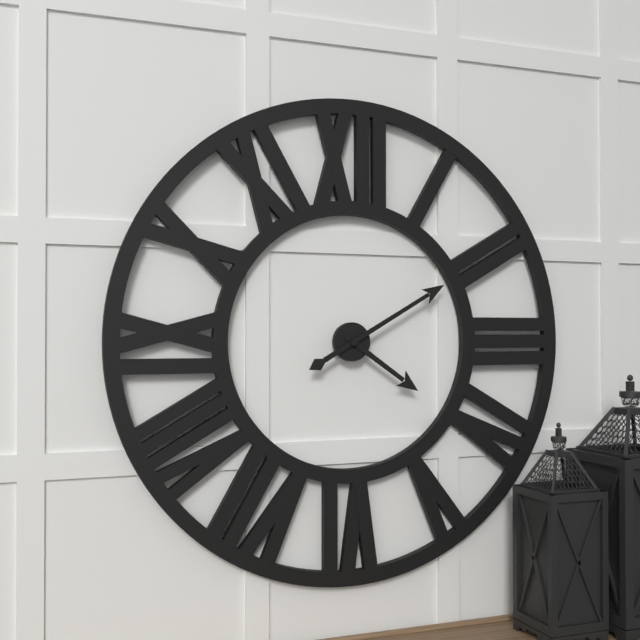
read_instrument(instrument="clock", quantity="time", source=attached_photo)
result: 4:10
